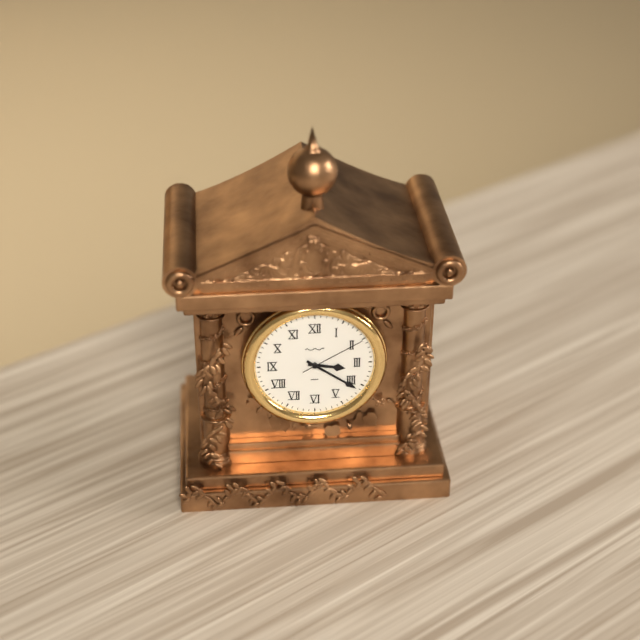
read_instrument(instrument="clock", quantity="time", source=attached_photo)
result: 3:21:10
